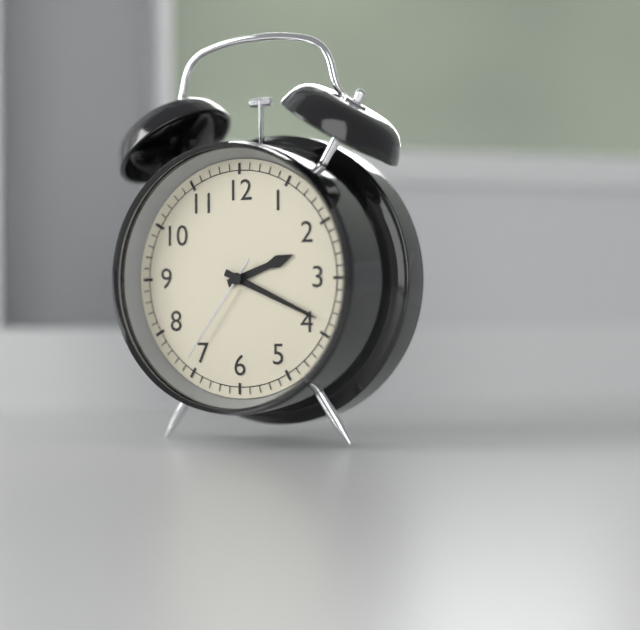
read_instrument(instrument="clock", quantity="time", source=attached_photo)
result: 2:19:36
